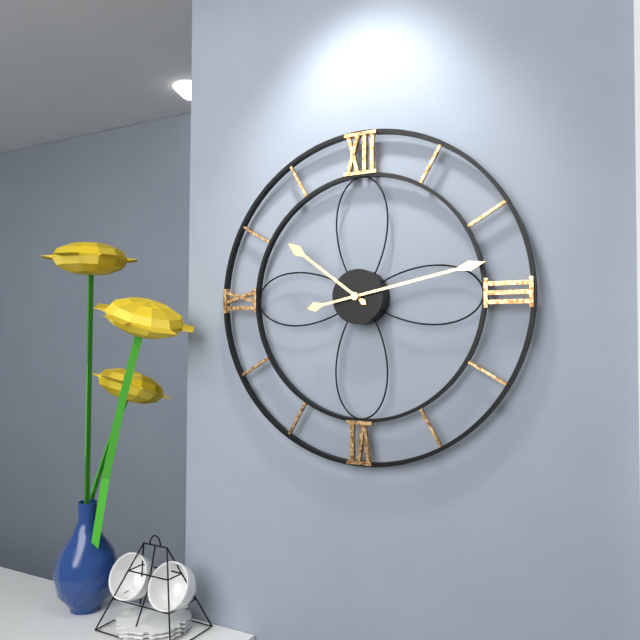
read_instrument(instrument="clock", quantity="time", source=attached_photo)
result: 10:13
